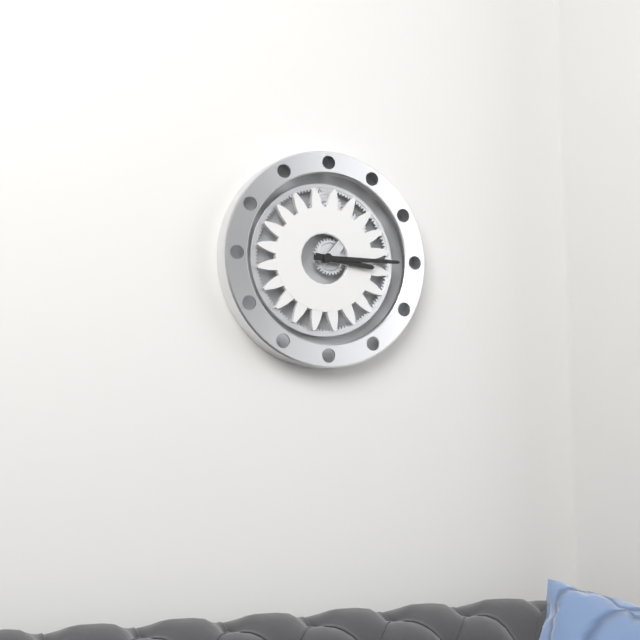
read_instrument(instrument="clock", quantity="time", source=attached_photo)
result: 3:15
